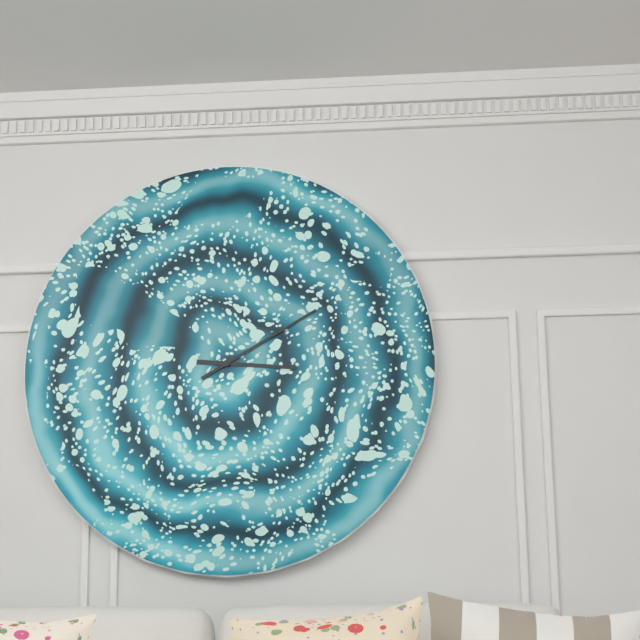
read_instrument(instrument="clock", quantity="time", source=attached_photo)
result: 3:10
